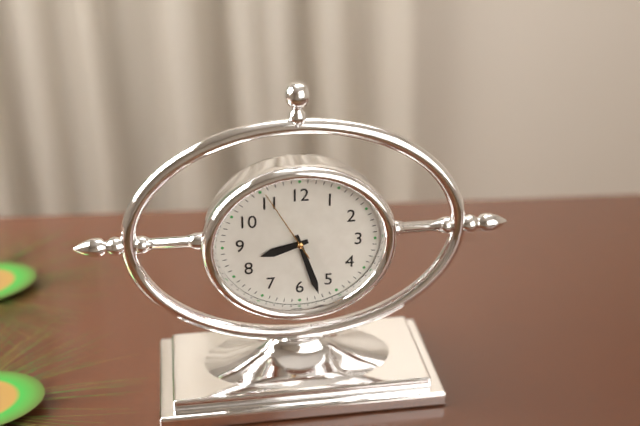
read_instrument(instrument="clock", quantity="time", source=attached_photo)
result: 8:27:55
